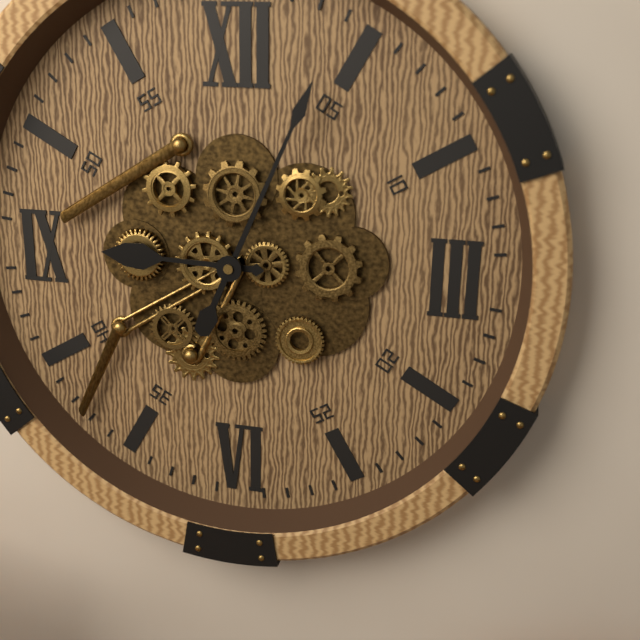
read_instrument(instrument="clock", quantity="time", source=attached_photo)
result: 9:04
